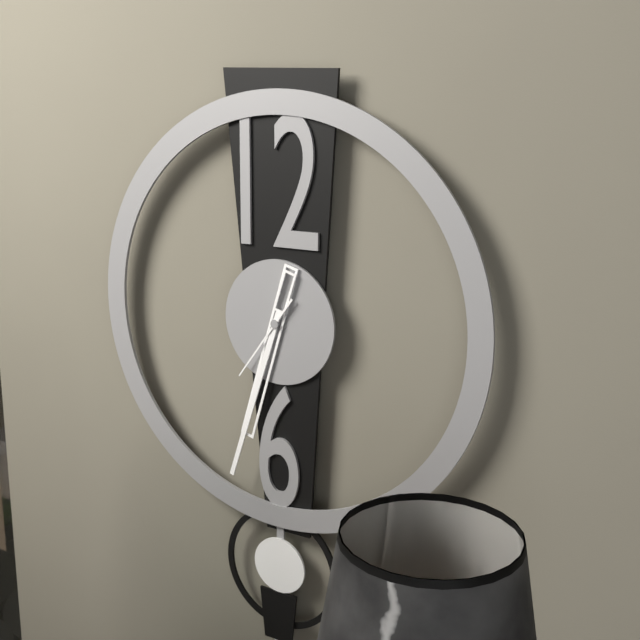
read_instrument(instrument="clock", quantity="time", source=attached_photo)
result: 6:33:36
